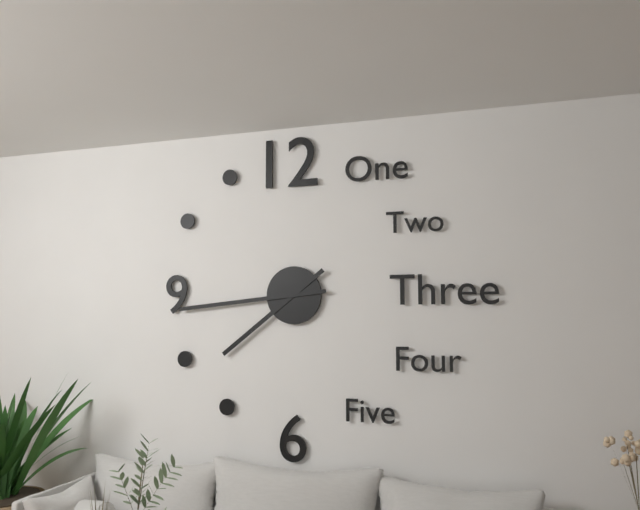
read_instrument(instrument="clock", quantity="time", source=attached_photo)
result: 7:44
